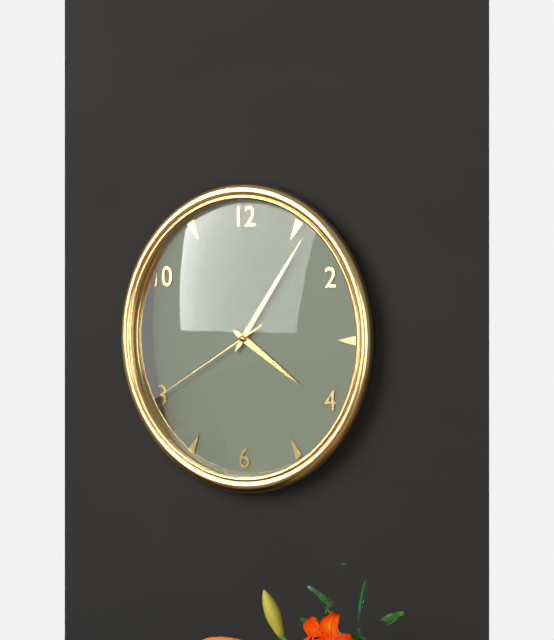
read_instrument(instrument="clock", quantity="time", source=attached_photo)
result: 4:06:40
